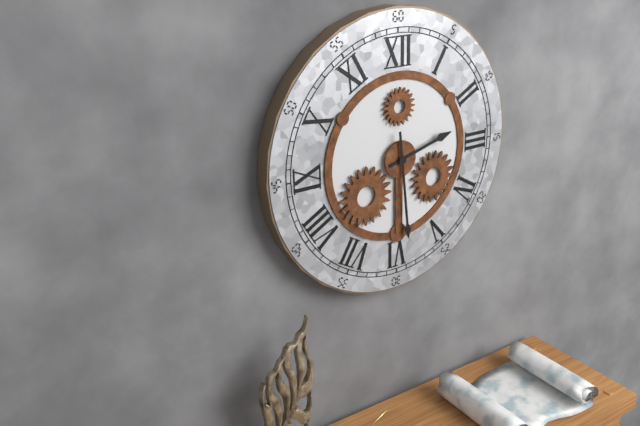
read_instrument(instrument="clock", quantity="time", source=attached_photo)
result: 2:29
